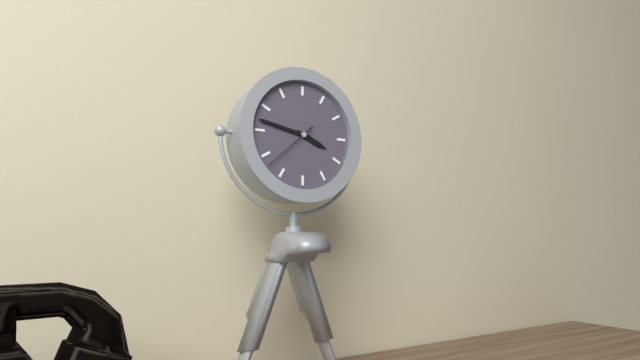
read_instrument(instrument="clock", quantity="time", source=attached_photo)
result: 3:47:38
